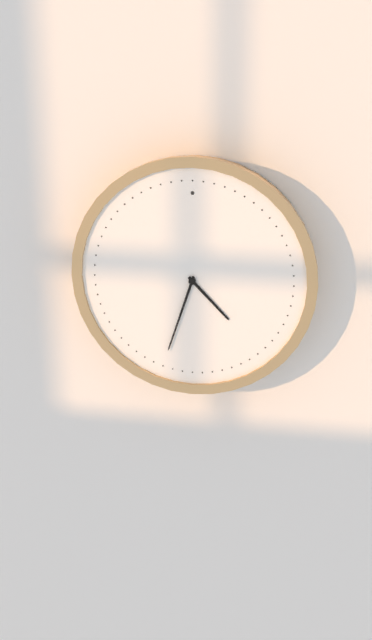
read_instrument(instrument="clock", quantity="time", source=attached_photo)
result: 4:33
